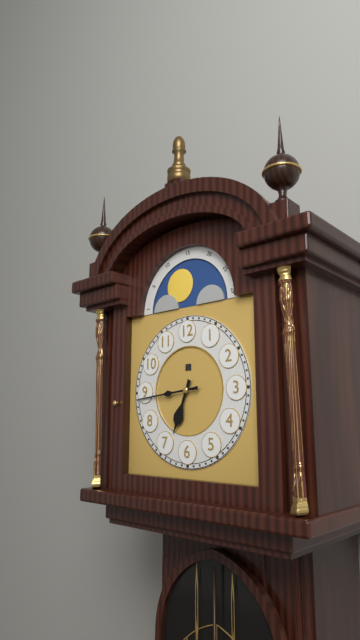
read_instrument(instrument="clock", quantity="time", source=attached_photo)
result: 6:44
